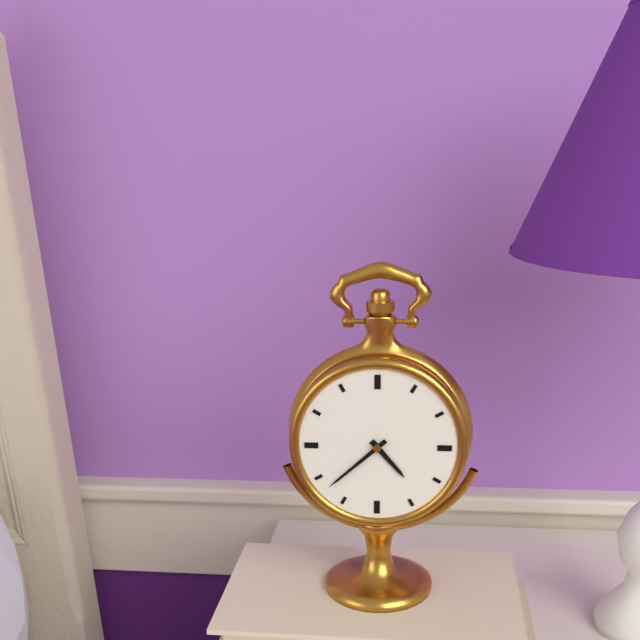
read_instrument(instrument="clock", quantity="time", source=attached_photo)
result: 4:38
